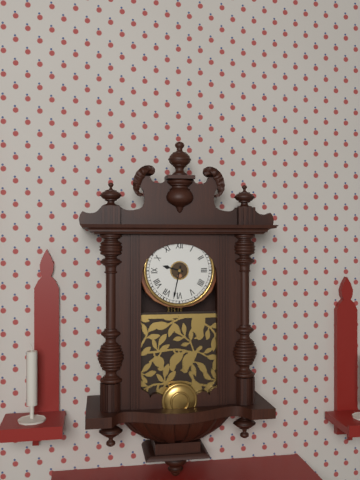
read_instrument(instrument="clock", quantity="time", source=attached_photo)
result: 9:32
